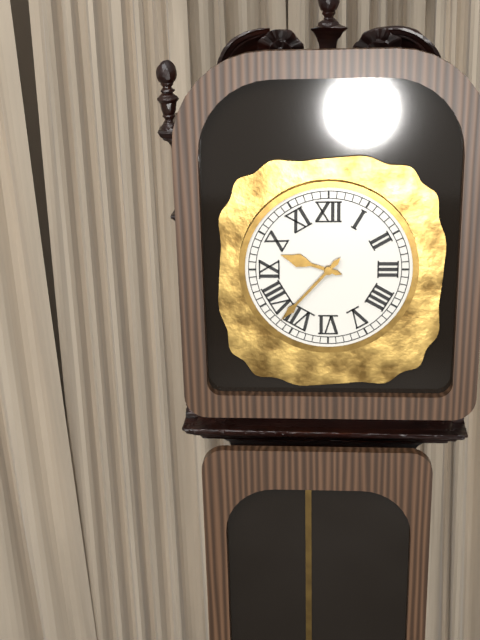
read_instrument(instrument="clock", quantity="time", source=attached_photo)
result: 9:37
